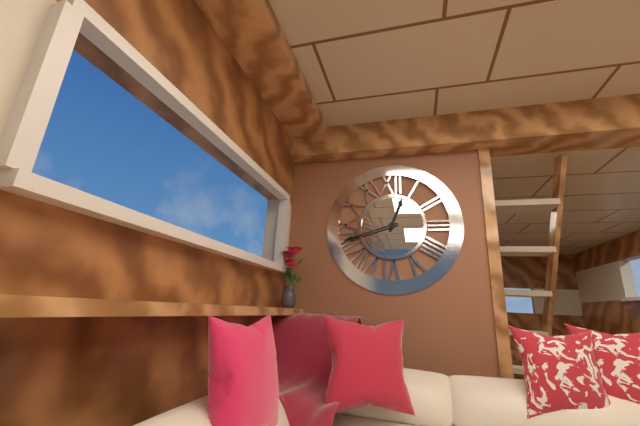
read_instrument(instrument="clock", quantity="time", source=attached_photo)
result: 12:42
